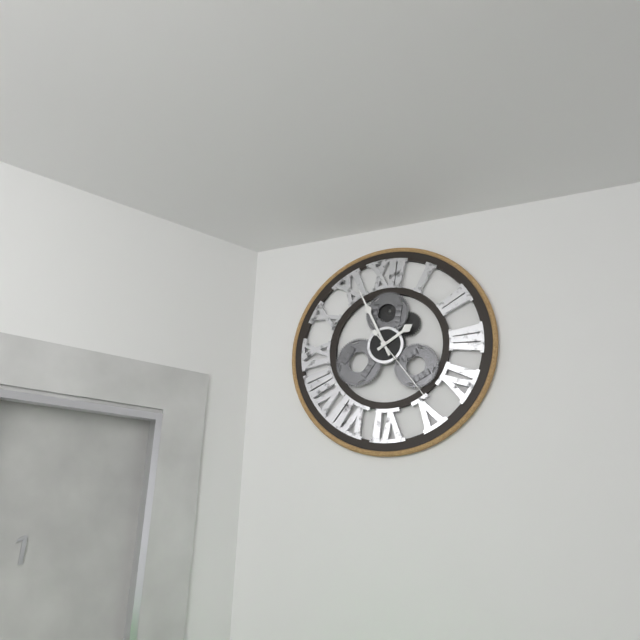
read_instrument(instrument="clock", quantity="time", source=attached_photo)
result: 1:56:24
